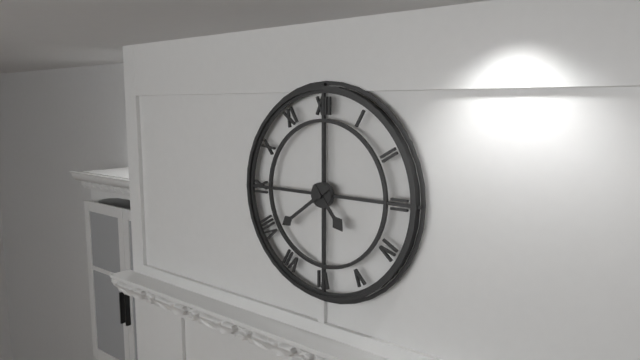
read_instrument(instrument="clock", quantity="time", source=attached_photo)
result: 4:39
